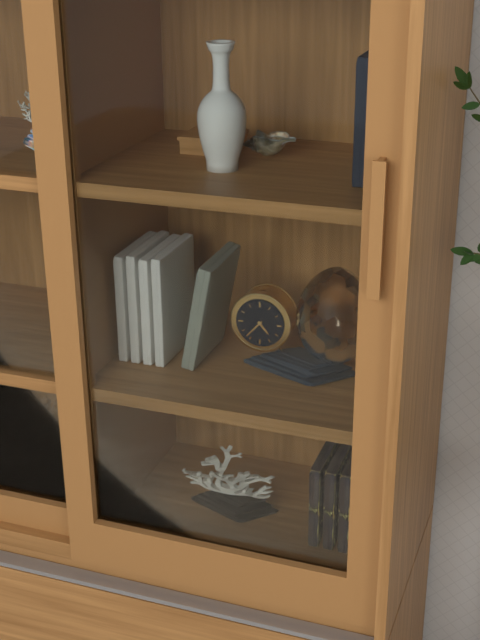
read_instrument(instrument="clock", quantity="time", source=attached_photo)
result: 4:37
